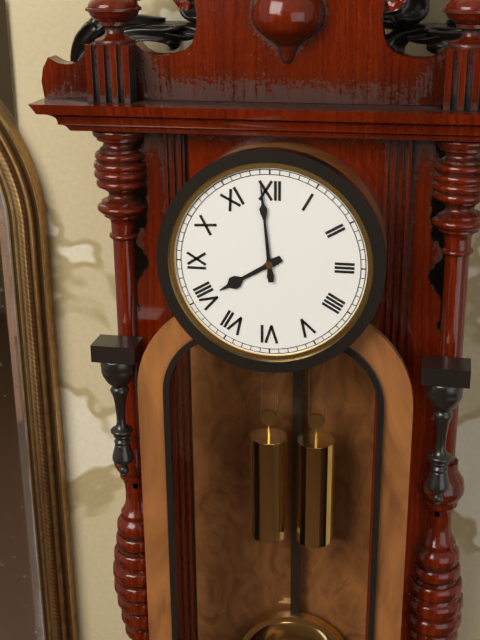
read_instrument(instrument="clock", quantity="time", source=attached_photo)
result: 7:59
